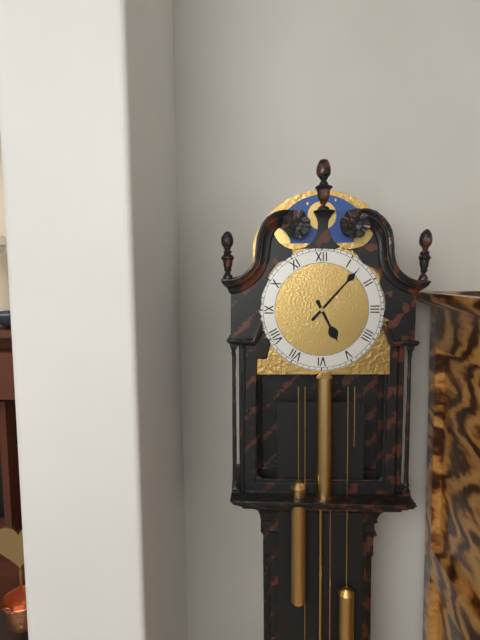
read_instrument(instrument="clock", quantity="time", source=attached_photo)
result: 5:07
